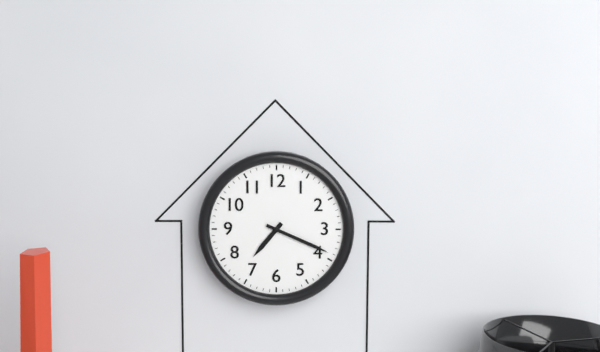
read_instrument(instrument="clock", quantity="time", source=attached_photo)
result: 7:19
